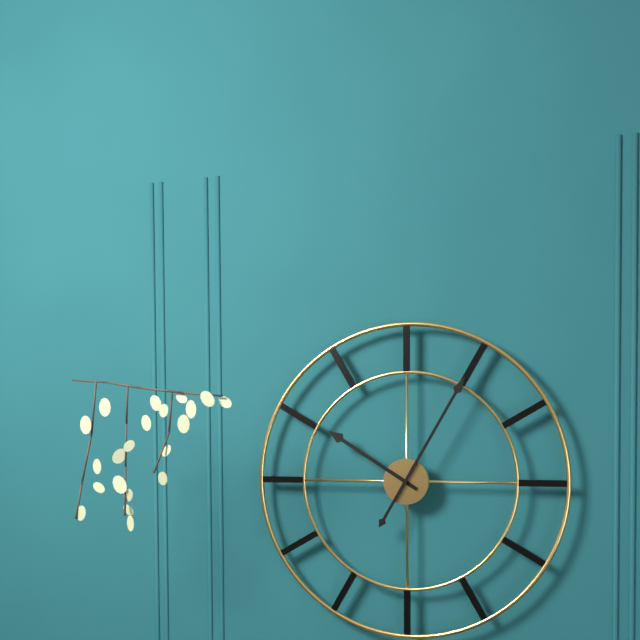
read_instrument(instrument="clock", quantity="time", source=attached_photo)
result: 10:05
